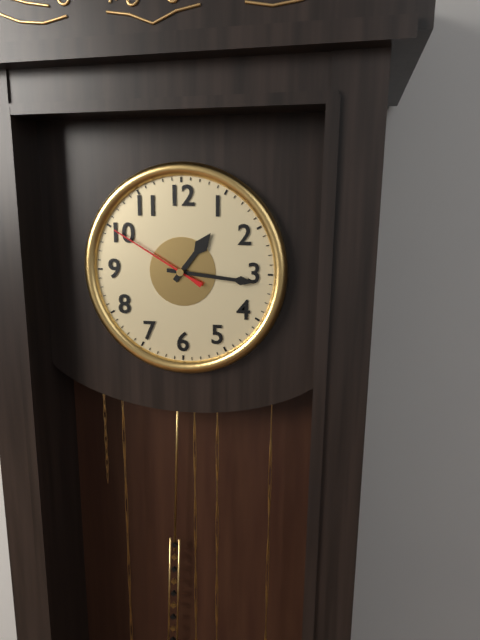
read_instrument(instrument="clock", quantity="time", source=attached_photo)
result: 1:16:50
